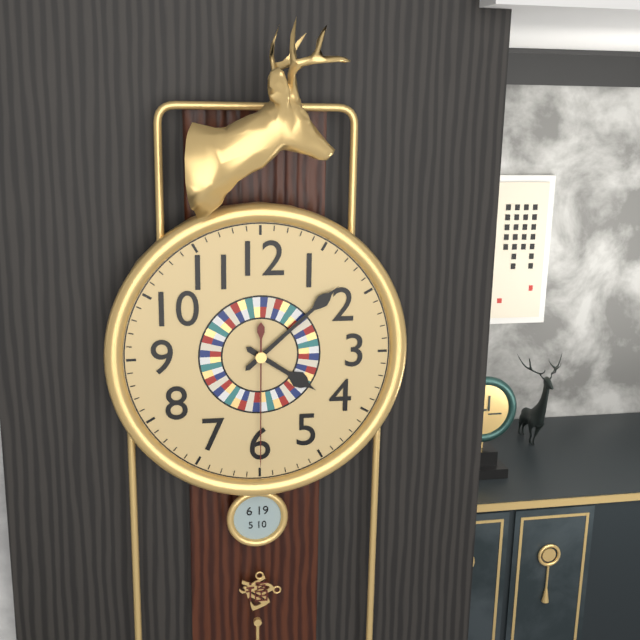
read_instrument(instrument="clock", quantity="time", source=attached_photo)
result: 4:08:30
